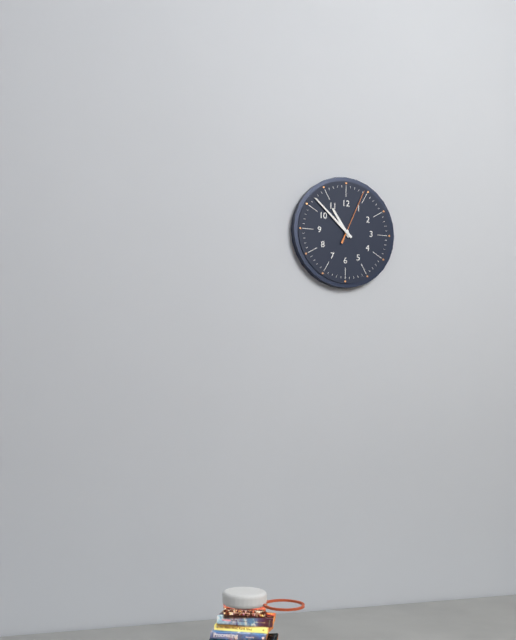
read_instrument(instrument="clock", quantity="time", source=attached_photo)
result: 10:52:04
